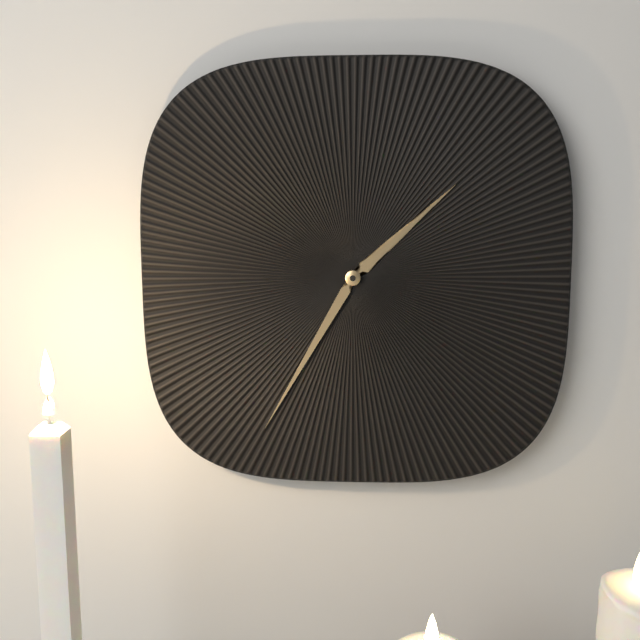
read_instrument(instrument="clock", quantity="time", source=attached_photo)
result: 1:35
